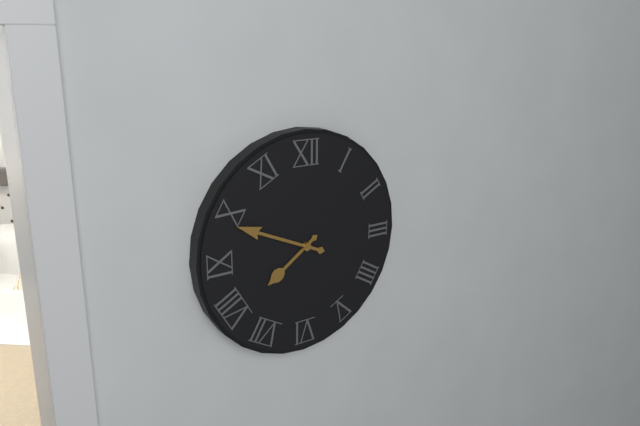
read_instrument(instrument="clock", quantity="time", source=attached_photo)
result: 7:49
